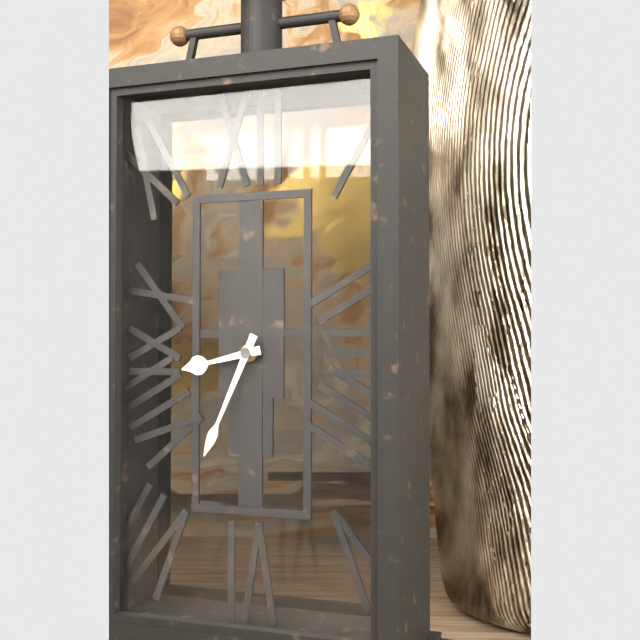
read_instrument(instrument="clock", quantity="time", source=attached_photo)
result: 8:34
